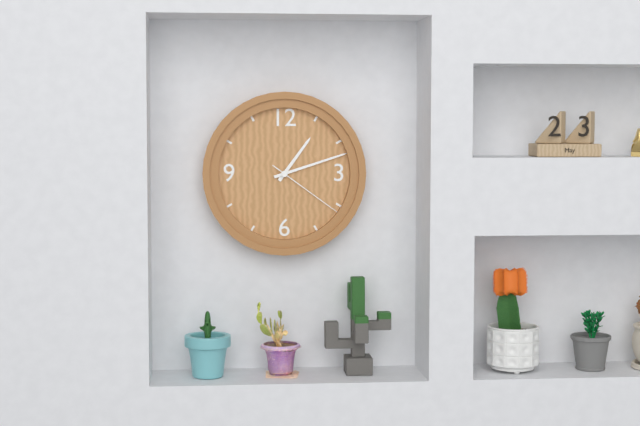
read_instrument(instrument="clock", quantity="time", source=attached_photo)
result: 1:12:21
